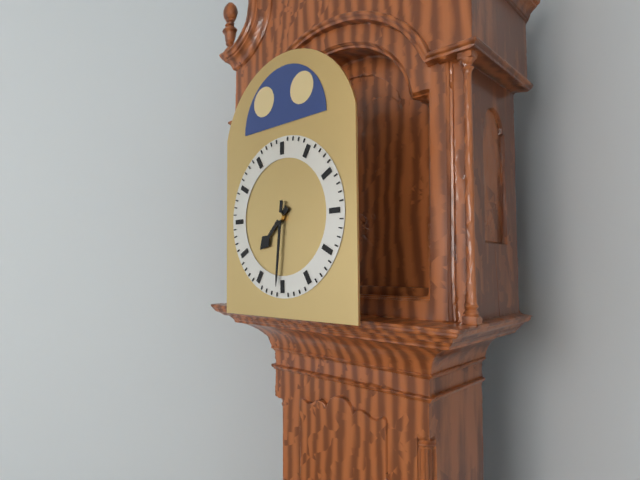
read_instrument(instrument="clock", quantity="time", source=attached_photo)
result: 7:31
